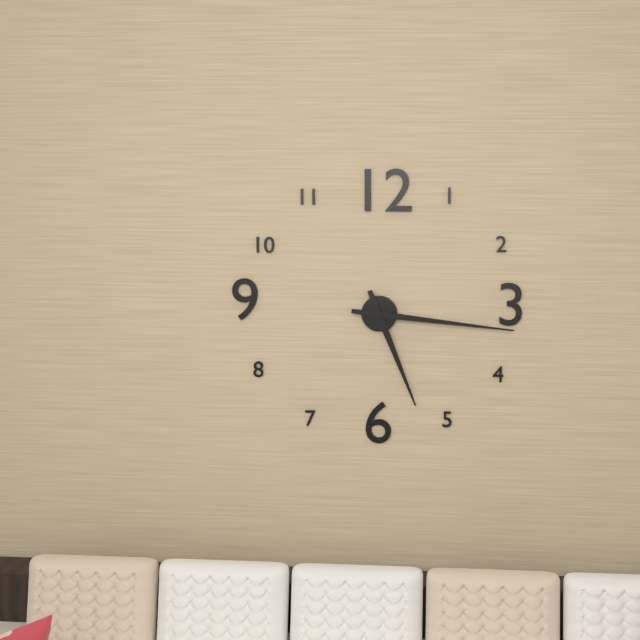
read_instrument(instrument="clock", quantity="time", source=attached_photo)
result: 5:16
